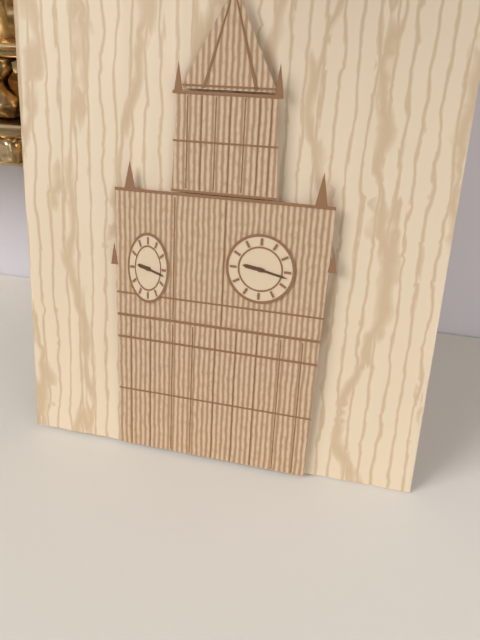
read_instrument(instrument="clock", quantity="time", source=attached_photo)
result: 9:17
